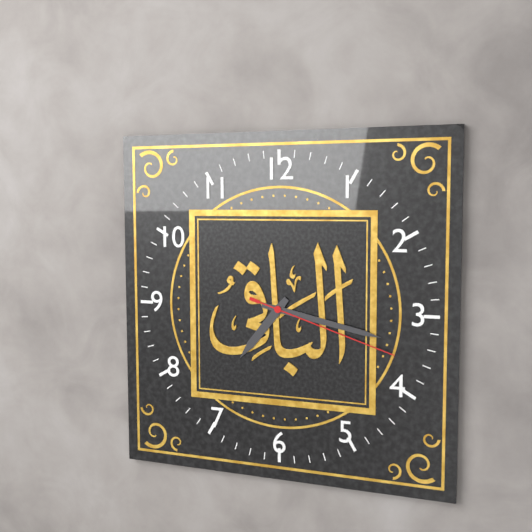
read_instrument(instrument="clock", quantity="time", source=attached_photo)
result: 7:17:18
